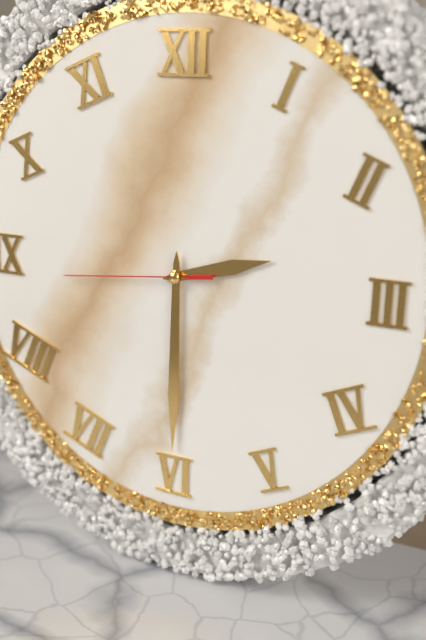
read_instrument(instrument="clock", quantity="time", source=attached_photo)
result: 2:30:44
